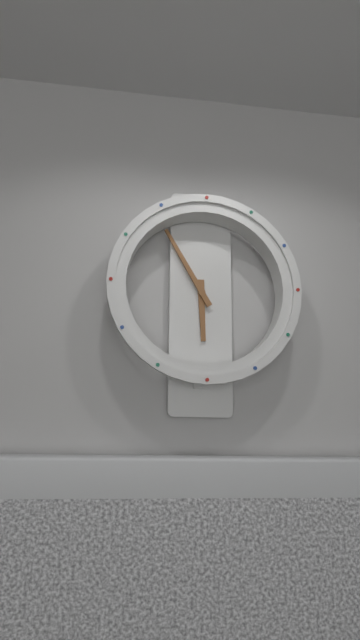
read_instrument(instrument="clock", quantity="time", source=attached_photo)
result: 5:55
